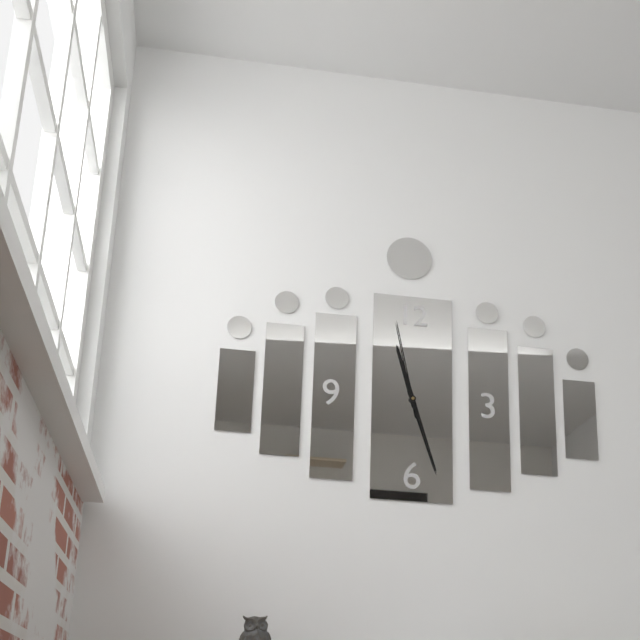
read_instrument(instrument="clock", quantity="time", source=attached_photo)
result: 11:27:58
